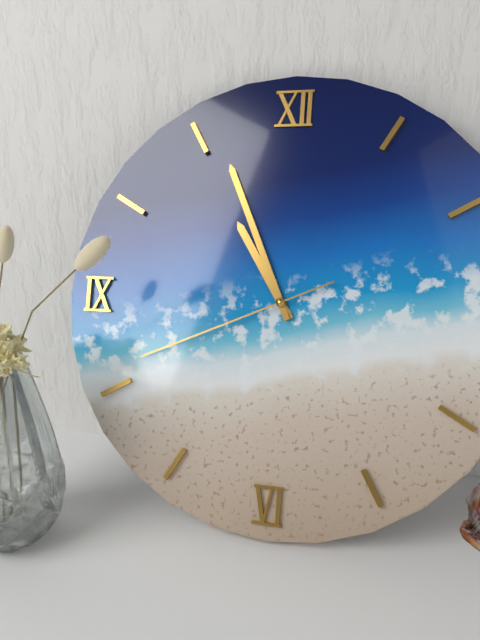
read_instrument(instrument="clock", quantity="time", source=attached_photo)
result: 10:56:41
